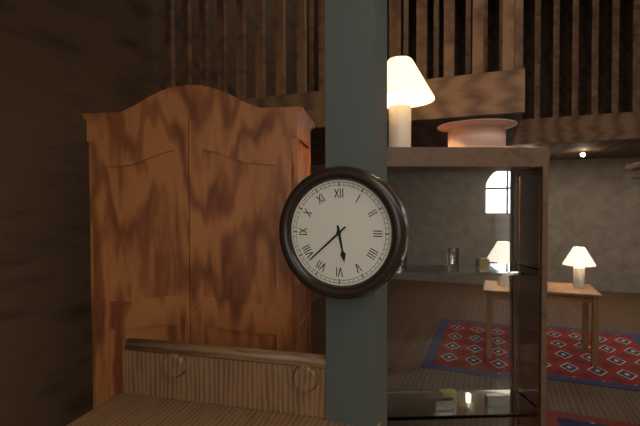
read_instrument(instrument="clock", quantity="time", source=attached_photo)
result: 5:38
